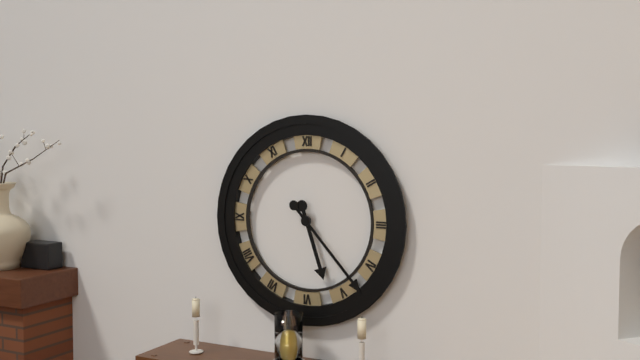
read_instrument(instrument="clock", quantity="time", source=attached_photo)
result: 5:23
